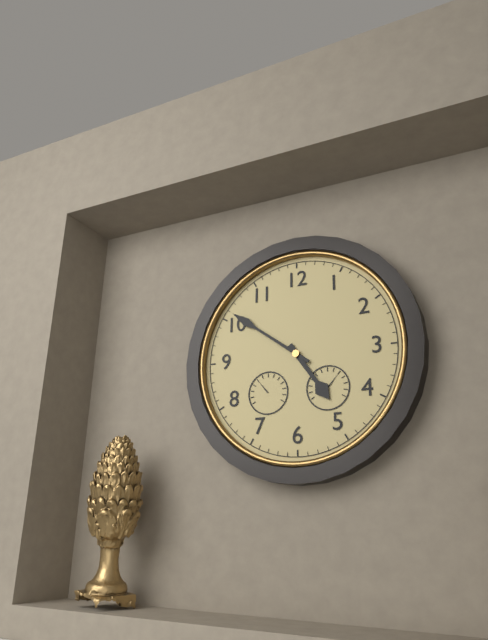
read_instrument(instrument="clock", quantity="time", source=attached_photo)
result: 4:51
